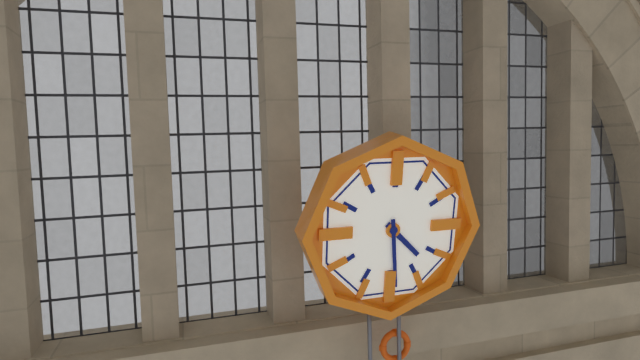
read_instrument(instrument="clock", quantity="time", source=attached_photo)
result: 4:29
